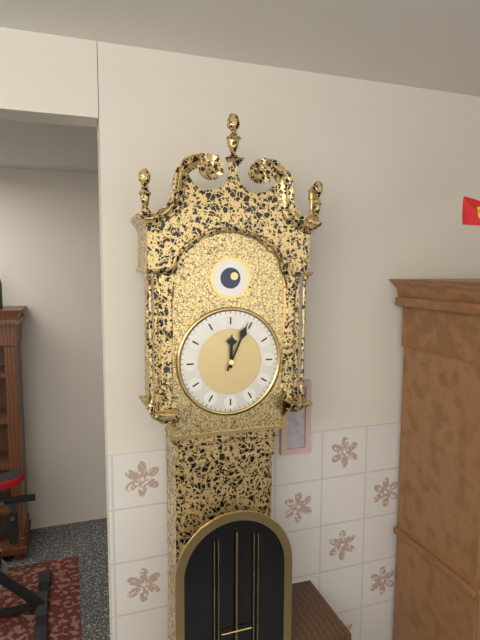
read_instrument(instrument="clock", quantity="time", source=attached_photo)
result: 12:04
